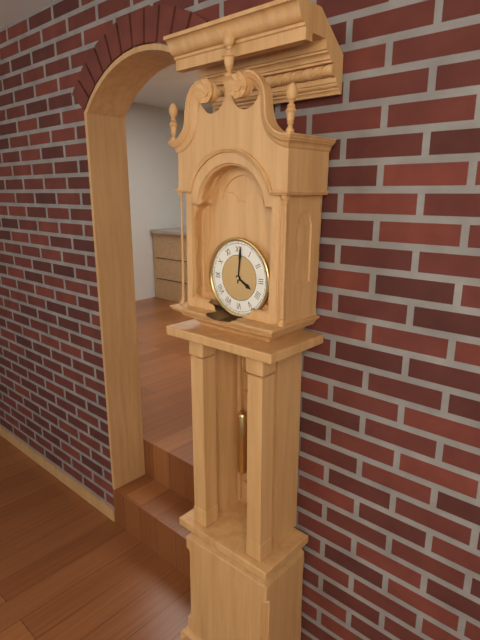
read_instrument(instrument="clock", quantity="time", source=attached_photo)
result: 4:01
